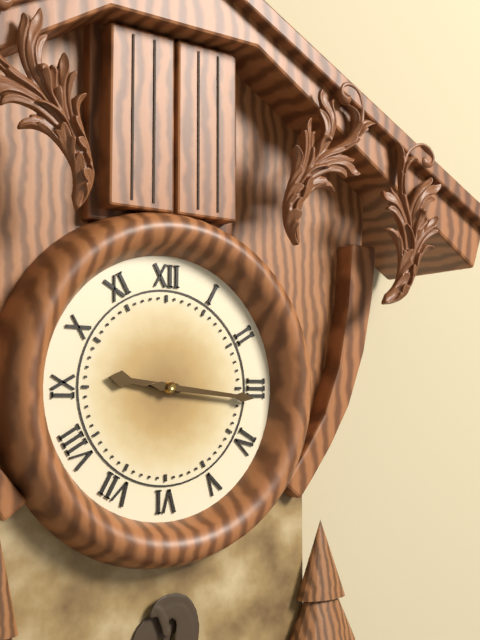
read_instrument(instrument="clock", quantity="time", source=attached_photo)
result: 9:16
